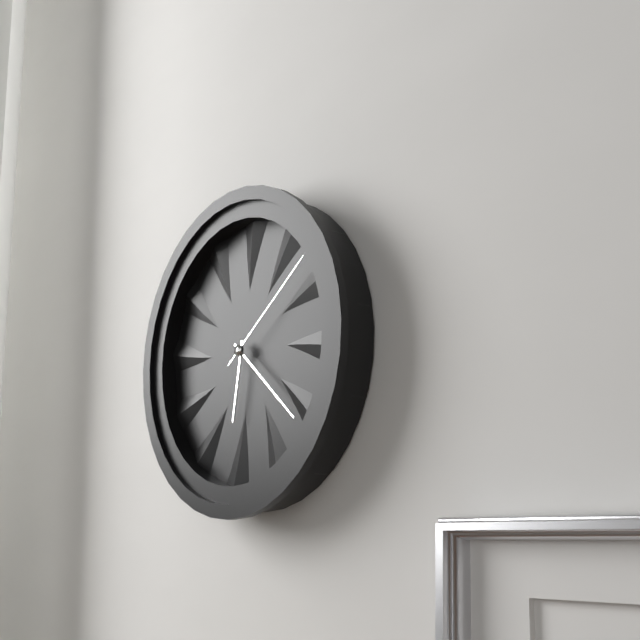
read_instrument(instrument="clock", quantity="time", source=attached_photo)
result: 6:22:09
